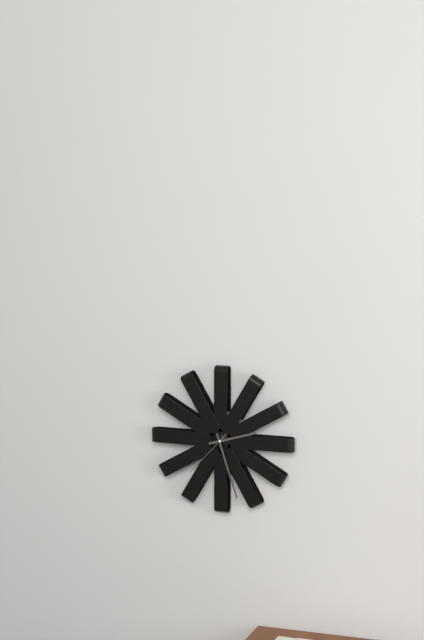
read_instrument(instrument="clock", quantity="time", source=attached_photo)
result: 2:27:37
